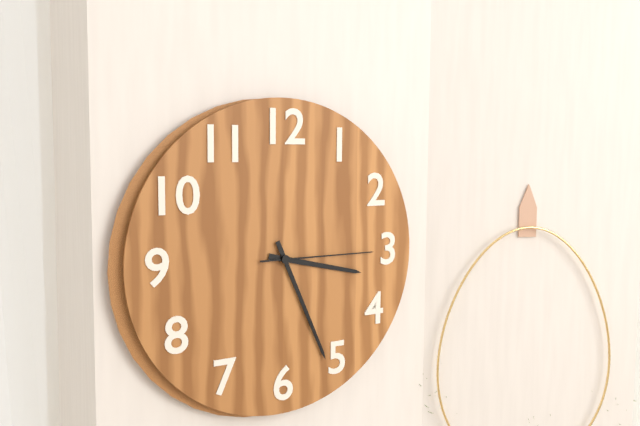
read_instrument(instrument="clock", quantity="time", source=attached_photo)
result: 3:26:15
